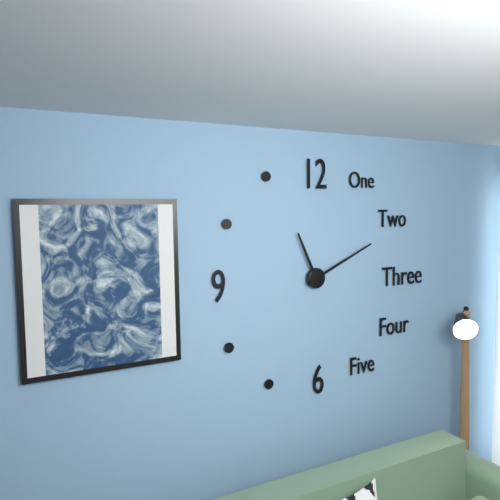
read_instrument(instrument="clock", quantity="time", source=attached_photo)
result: 11:11
